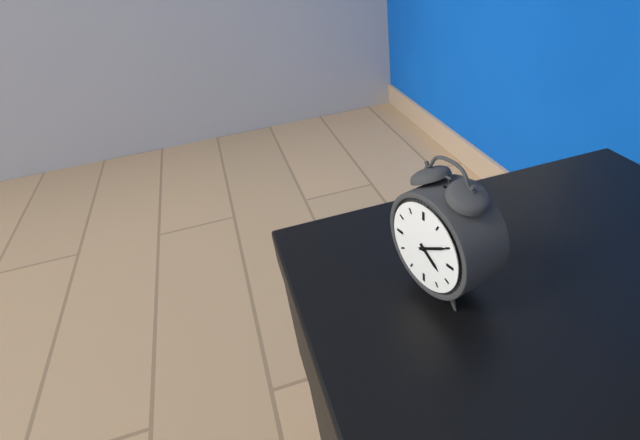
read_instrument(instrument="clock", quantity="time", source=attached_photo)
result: 4:10
